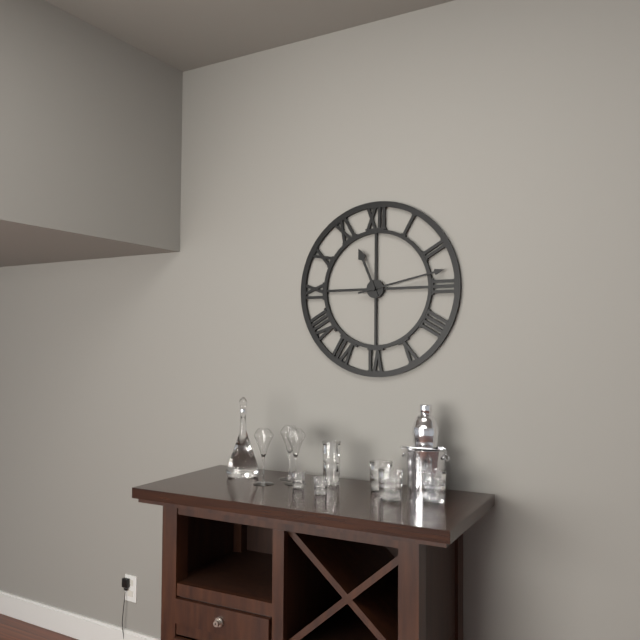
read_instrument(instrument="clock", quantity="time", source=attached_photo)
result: 11:13
